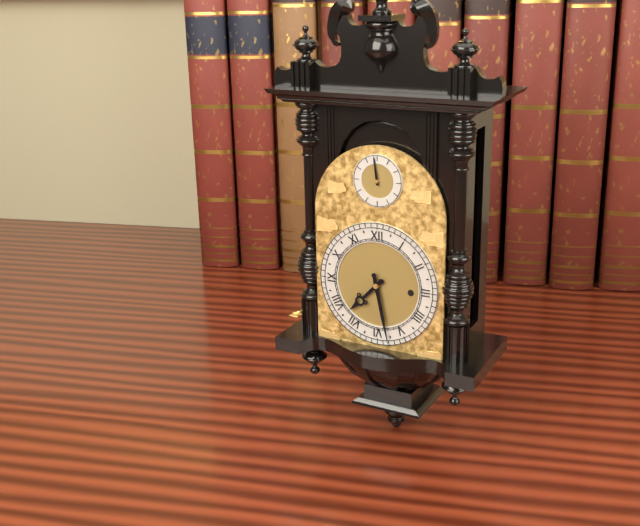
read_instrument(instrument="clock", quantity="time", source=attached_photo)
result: 7:28
